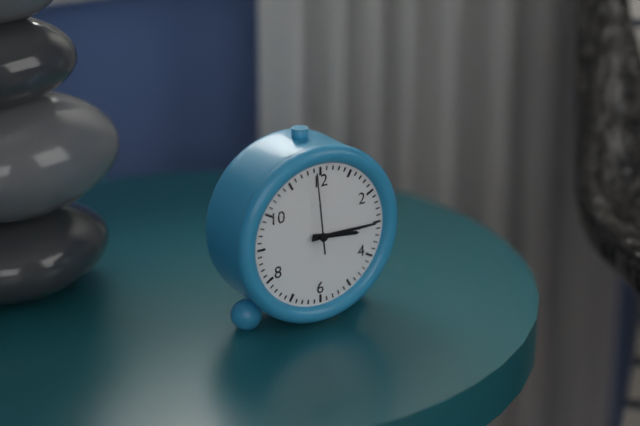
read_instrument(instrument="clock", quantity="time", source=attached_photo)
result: 3:15:59
